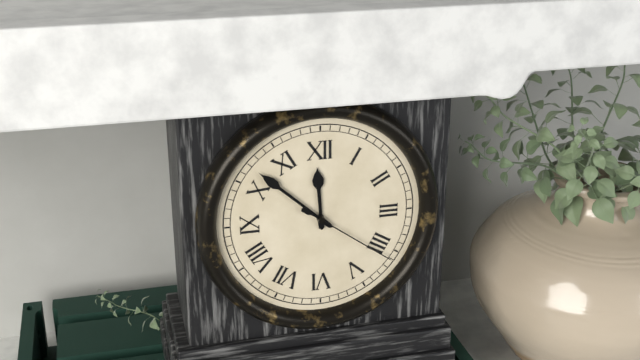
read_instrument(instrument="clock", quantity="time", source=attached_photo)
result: 11:52:21
